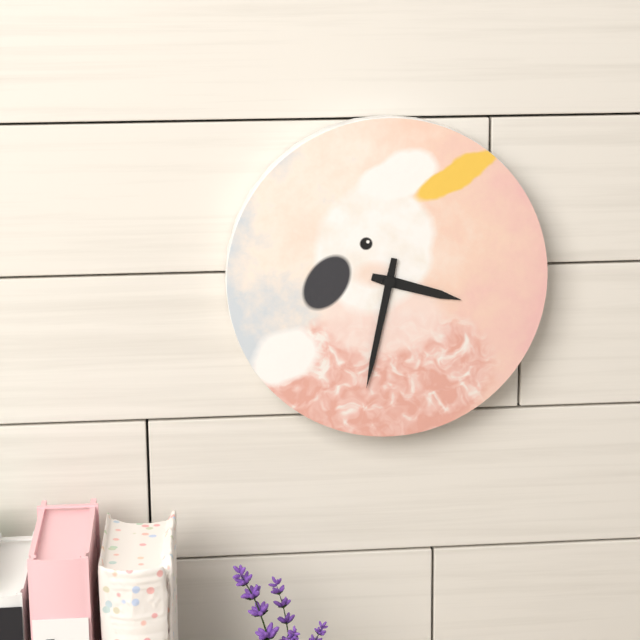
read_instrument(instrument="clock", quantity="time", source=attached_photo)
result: 3:32
